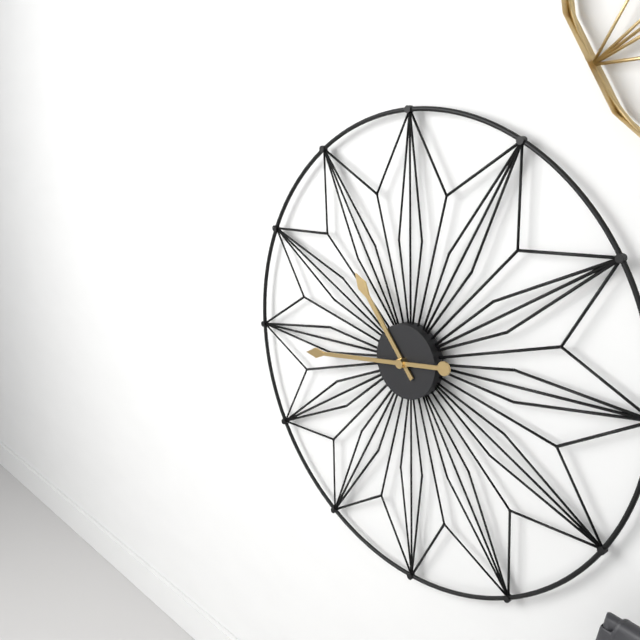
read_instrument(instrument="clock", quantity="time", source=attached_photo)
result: 10:44
